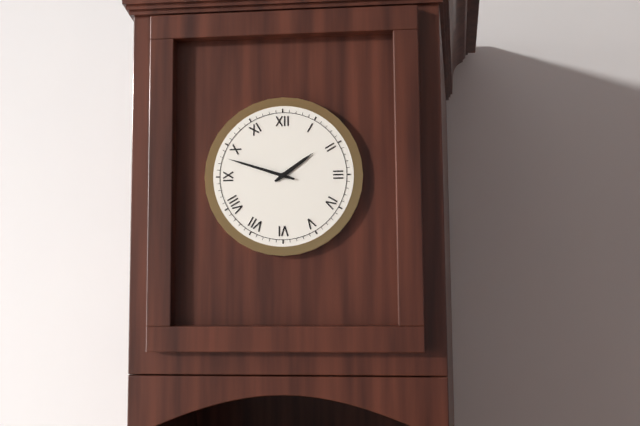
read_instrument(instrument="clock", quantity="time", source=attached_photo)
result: 1:48
